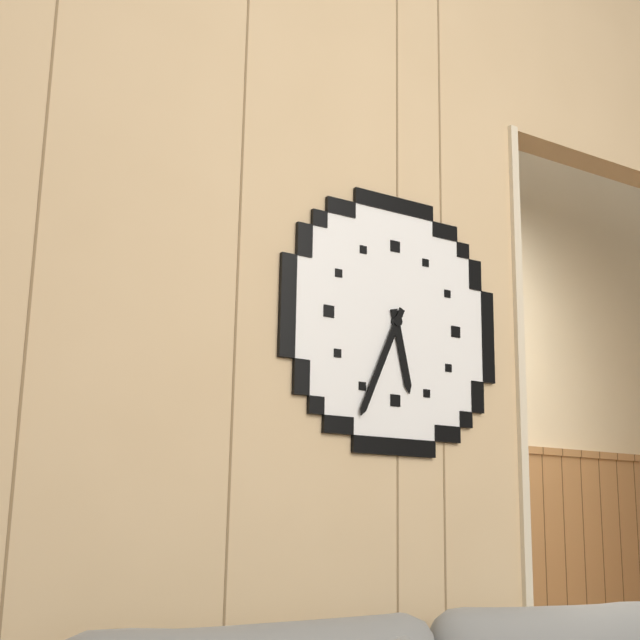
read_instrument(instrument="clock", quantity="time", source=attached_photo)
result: 5:34
